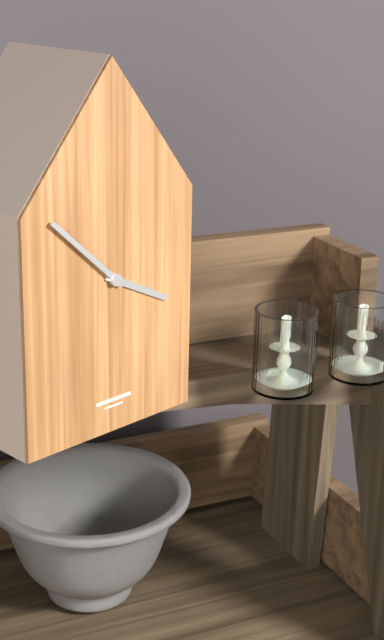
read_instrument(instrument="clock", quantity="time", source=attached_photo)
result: 3:52
